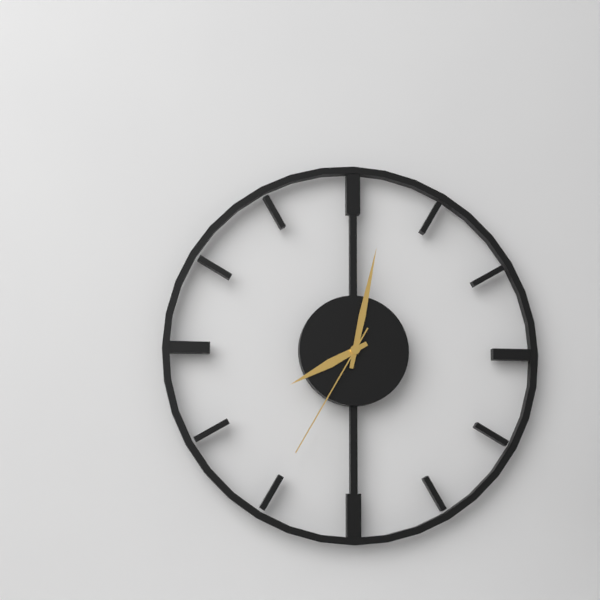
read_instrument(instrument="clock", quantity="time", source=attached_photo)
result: 8:02:35
